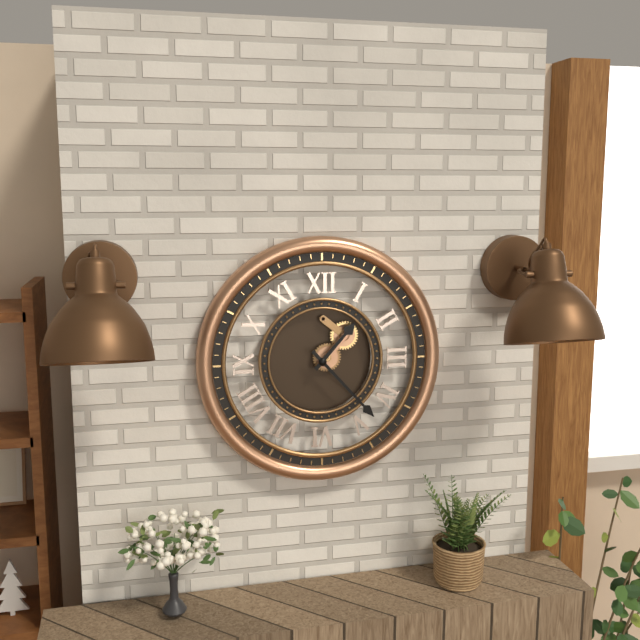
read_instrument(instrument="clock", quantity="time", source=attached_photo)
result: 1:23
